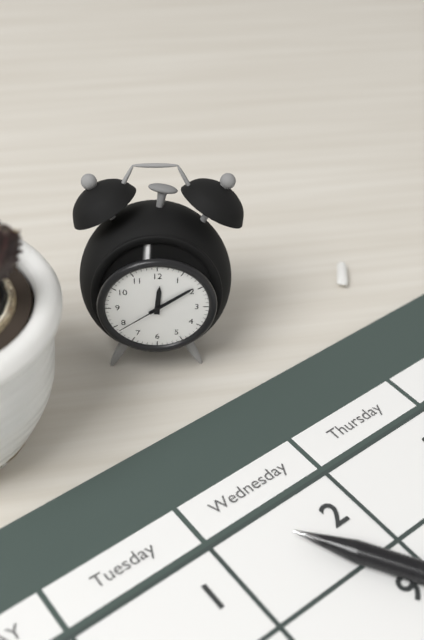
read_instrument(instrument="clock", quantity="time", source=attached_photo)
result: 12:09:39
